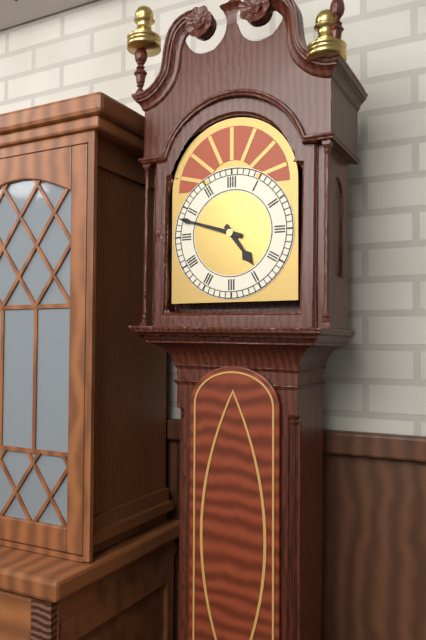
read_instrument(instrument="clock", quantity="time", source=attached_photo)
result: 4:48
